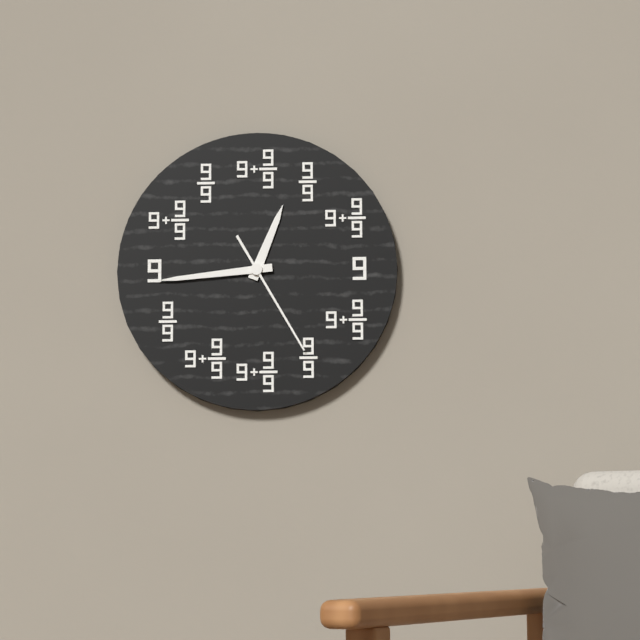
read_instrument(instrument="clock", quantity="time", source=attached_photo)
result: 12:44:25
